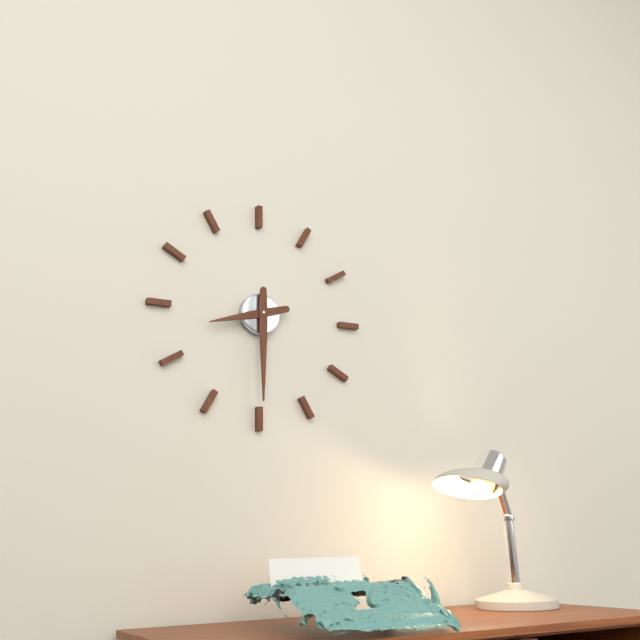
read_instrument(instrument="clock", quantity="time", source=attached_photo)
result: 8:30
